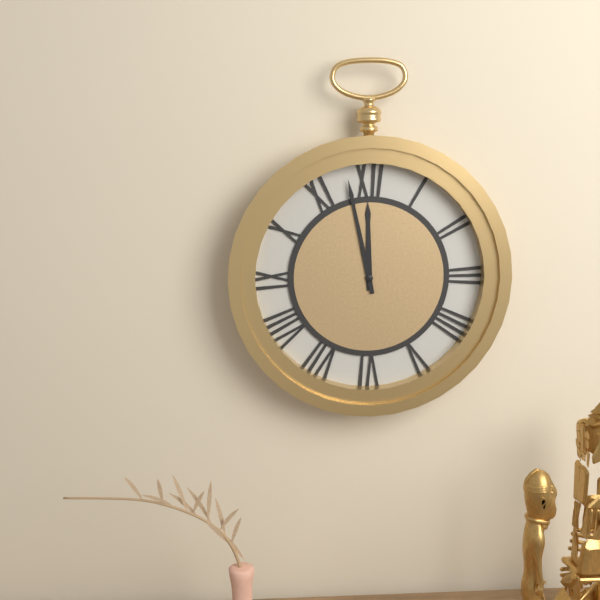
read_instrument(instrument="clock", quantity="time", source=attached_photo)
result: 11:58
